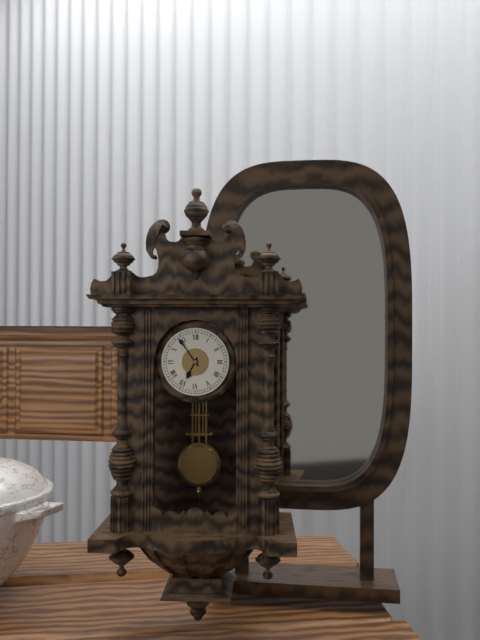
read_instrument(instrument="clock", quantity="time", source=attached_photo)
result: 6:54
